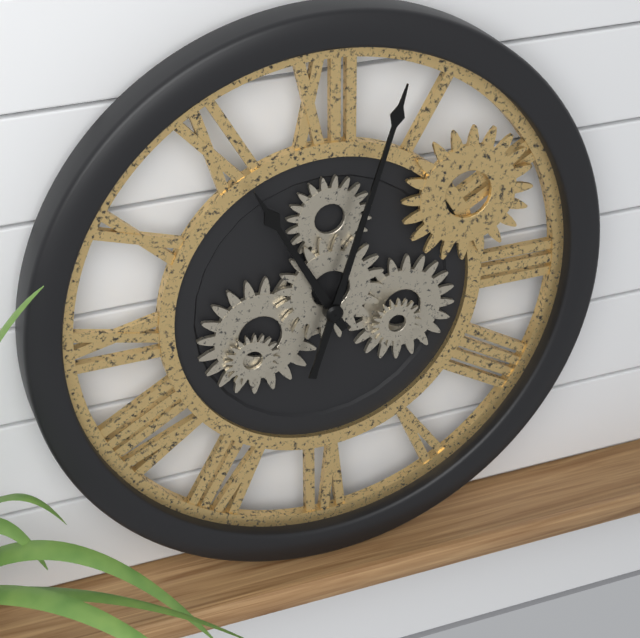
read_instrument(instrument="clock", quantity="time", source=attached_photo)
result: 11:03
